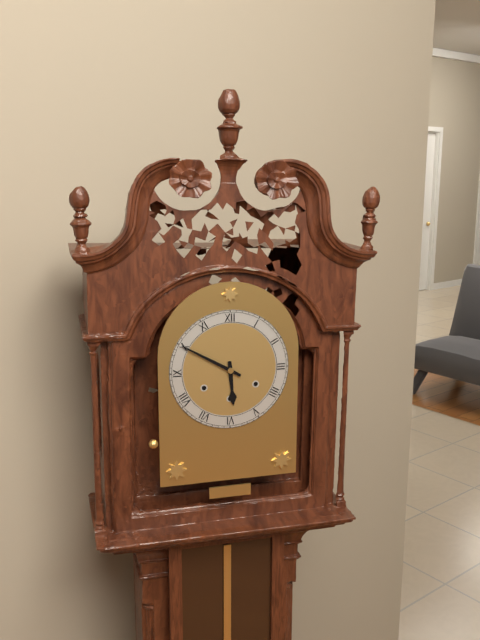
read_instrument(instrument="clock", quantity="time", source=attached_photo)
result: 5:50
